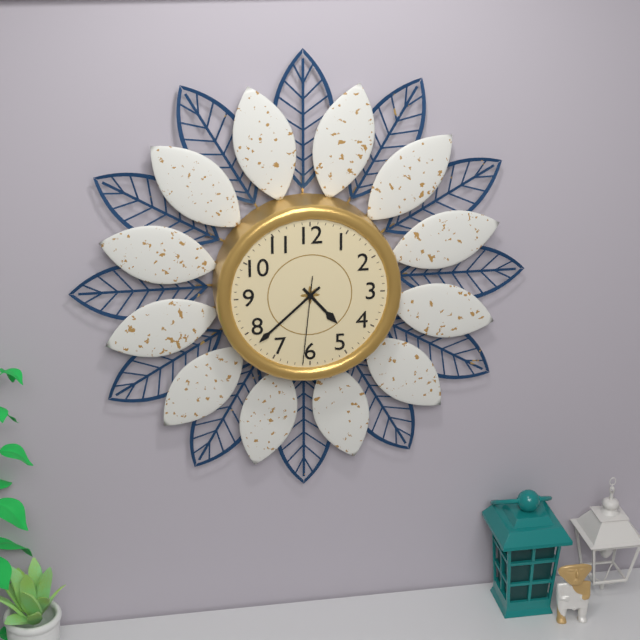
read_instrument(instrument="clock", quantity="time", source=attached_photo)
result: 4:38:31
